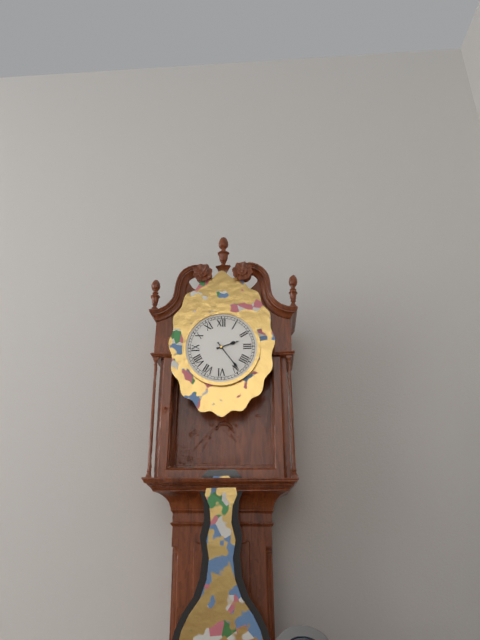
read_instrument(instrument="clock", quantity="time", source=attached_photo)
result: 2:24
